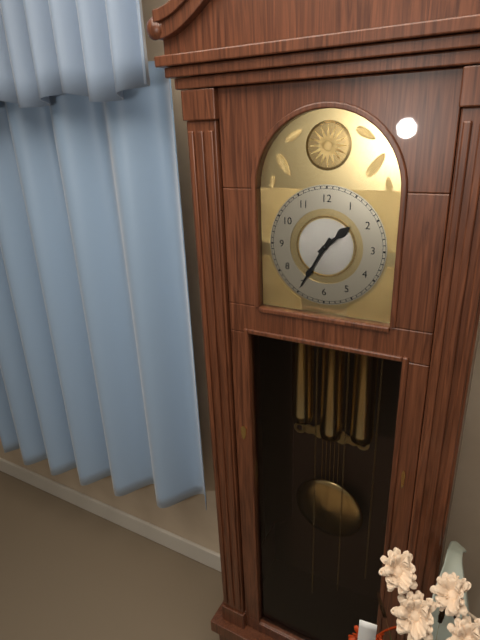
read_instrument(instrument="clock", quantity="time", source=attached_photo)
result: 1:35
